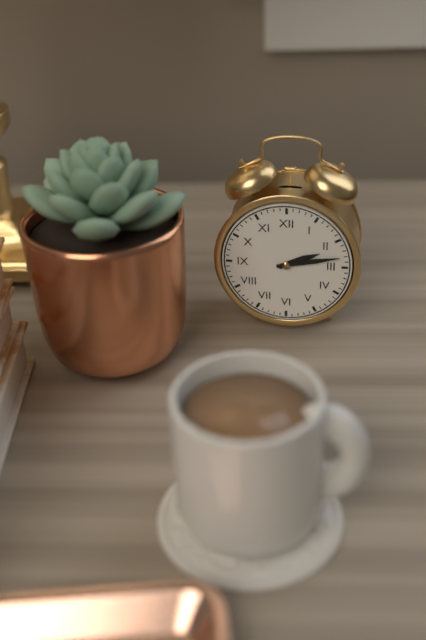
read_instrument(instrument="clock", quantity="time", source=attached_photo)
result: 2:13
